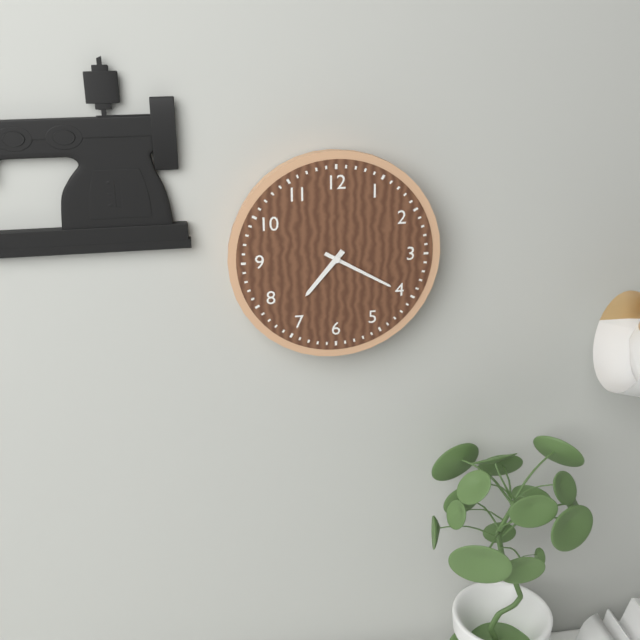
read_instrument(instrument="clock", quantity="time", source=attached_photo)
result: 7:20
